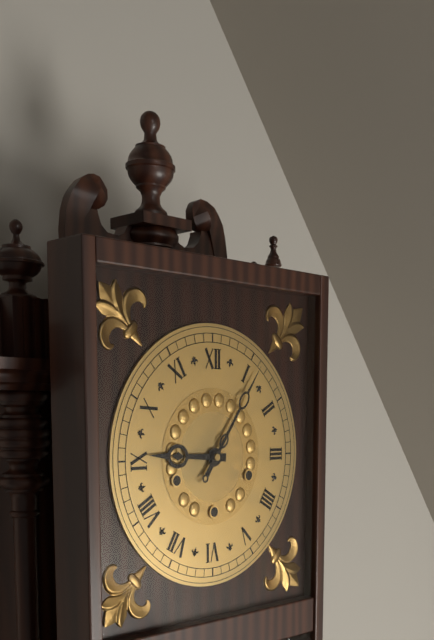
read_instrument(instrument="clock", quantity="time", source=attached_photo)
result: 9:06
